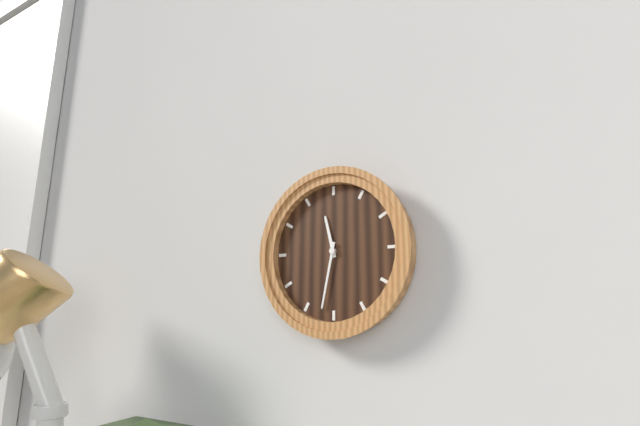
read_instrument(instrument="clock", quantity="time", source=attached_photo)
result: 11:32
